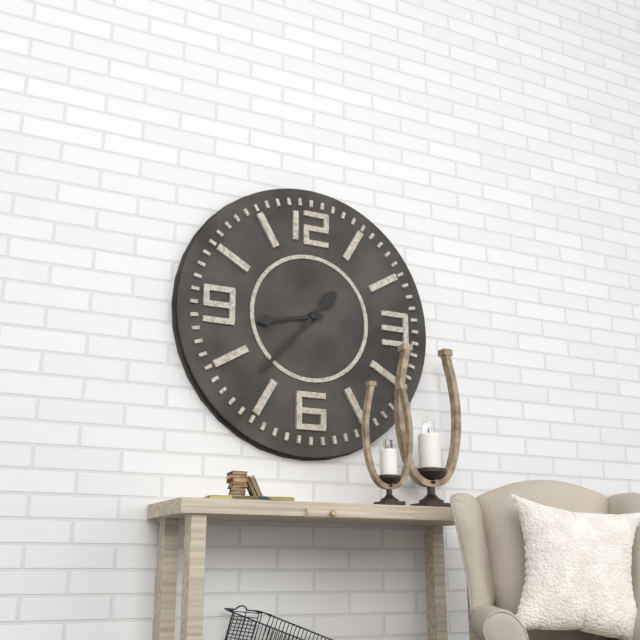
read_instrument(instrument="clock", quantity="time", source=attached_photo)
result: 8:37
